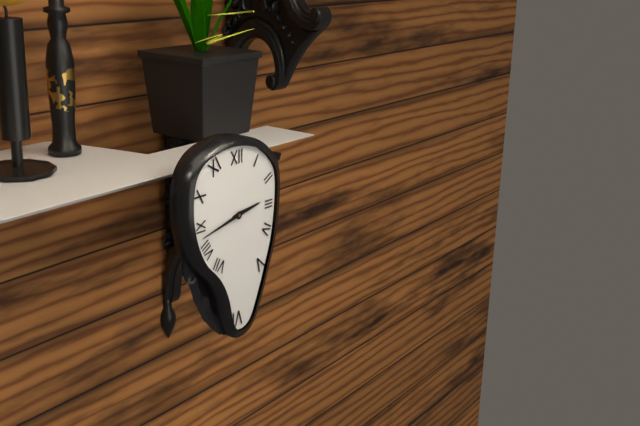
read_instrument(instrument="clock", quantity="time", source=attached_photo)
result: 2:43
